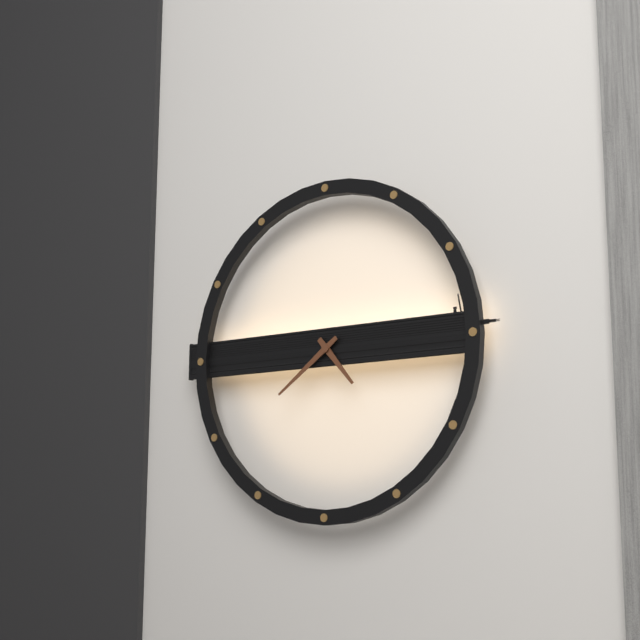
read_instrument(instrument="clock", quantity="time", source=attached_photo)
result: 4:39
